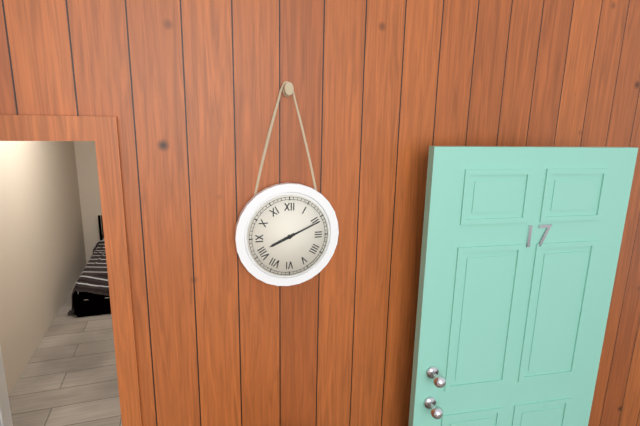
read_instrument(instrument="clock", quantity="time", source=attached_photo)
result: 8:11
